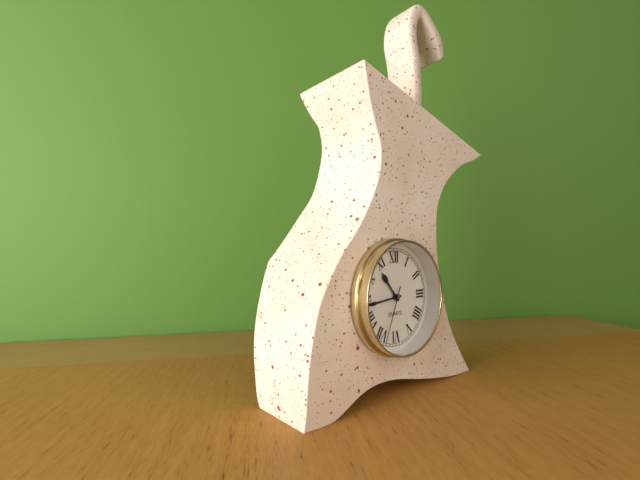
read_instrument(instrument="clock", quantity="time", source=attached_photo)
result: 10:44:34
